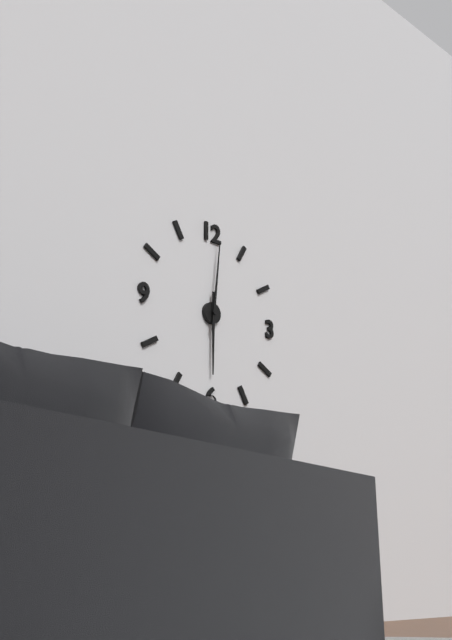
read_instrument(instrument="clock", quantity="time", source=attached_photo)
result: 6:01
